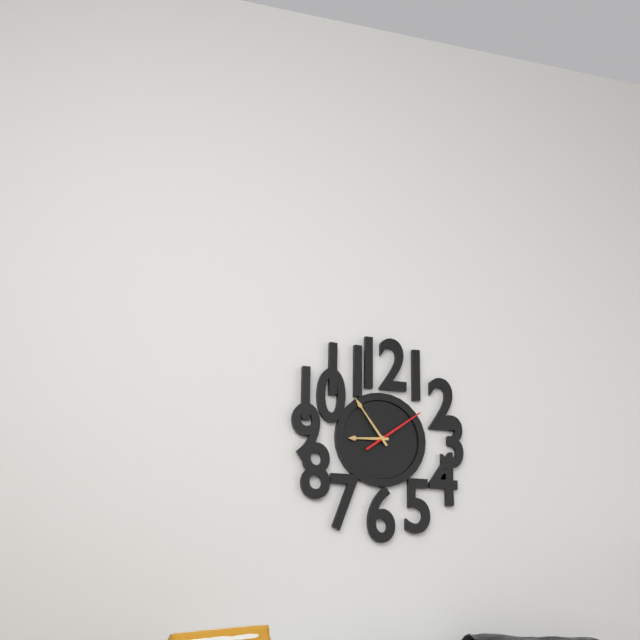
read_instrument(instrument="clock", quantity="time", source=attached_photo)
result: 8:54:09
